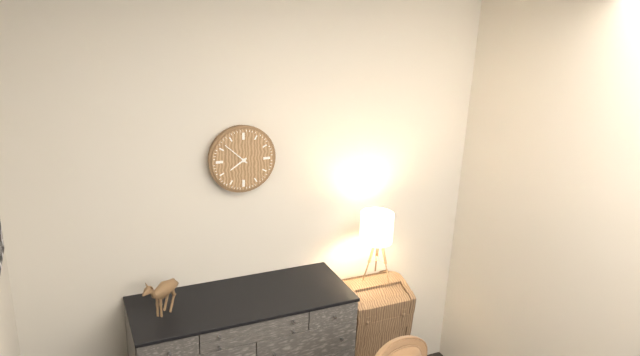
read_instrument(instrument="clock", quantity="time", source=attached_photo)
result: 7:52
